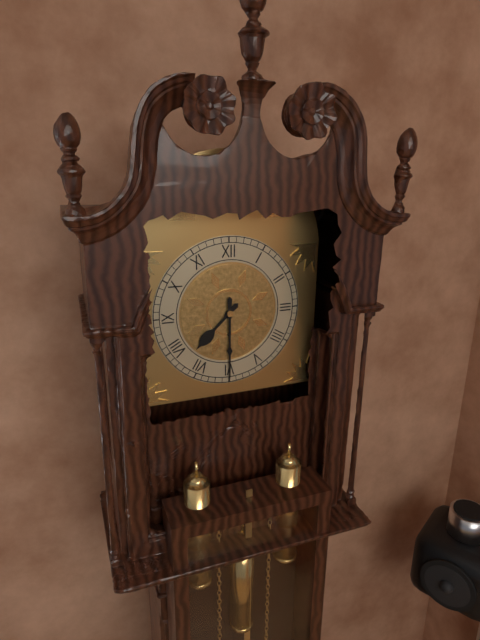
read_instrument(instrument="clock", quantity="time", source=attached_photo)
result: 7:30
